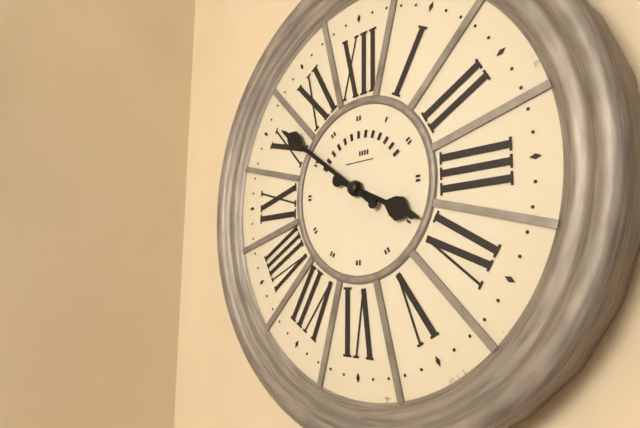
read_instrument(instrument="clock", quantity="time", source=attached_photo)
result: 3:51
